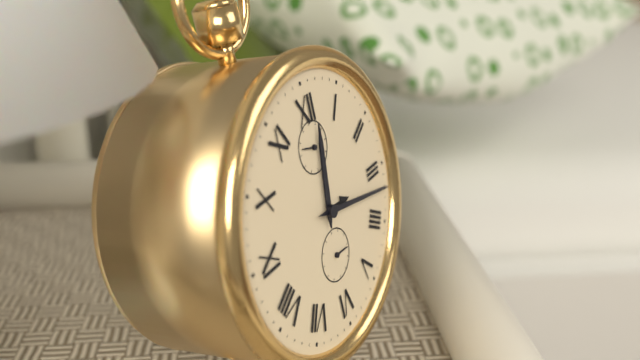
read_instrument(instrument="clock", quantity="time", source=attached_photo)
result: 12:17
